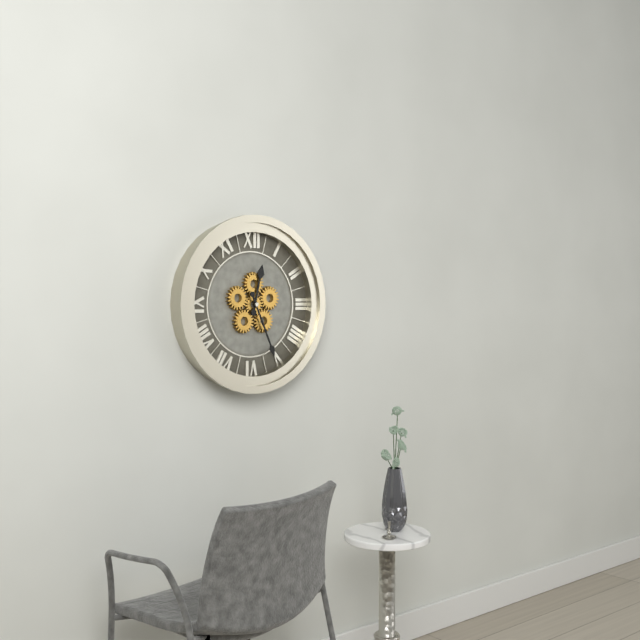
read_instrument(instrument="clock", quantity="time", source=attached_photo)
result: 12:26
